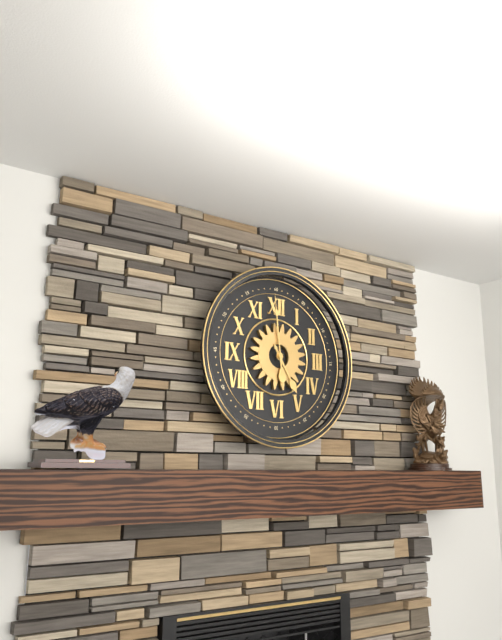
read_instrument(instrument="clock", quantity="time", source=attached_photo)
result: 4:59
